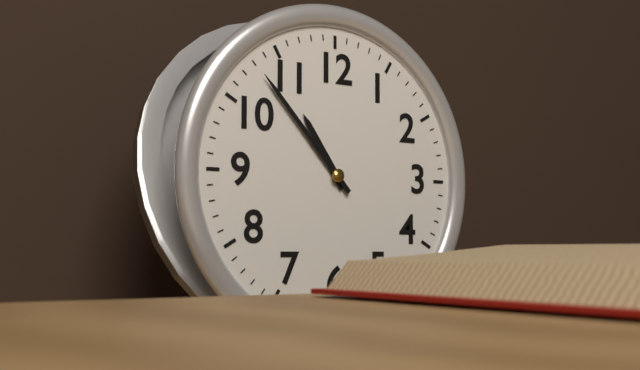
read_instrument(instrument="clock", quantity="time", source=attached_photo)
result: 10:53
